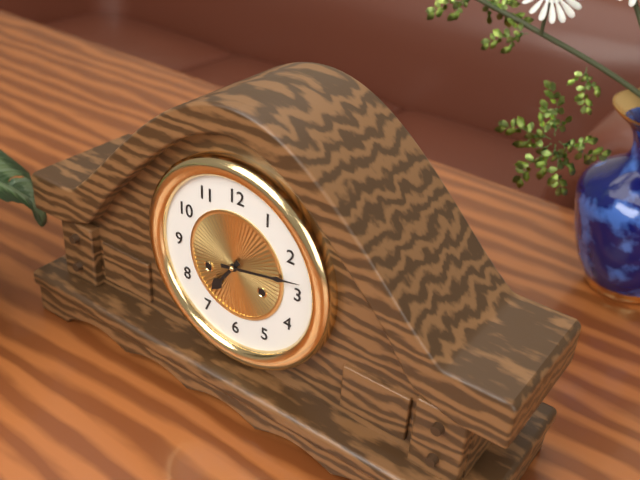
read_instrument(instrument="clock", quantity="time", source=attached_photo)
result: 7:13
